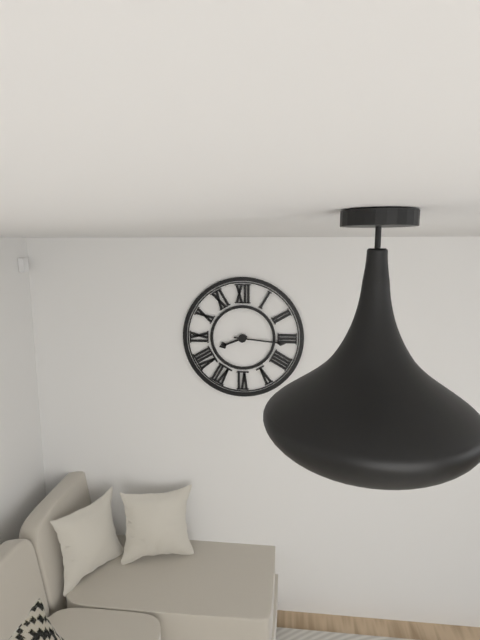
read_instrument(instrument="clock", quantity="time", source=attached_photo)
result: 8:16
